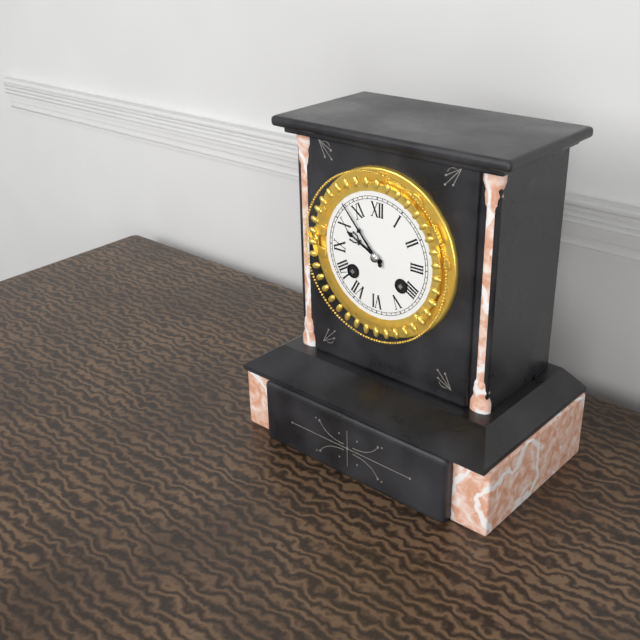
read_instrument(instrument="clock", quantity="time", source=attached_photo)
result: 9:53
